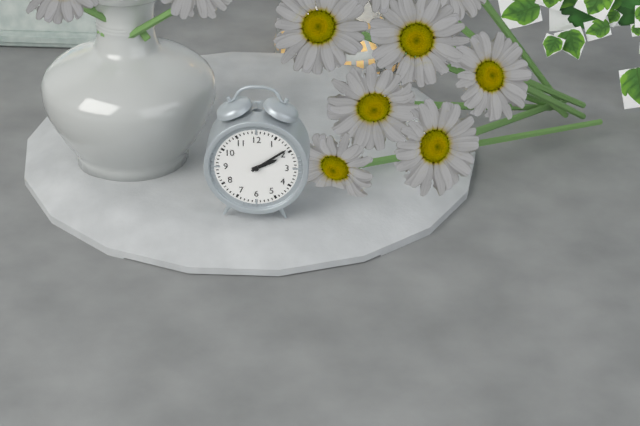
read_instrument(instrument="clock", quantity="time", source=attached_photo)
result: 2:09
